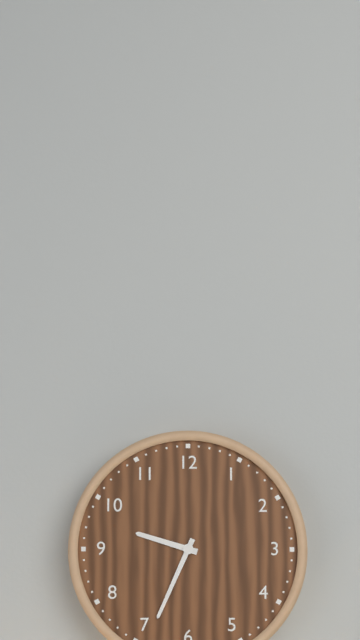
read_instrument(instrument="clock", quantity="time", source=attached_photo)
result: 9:34
